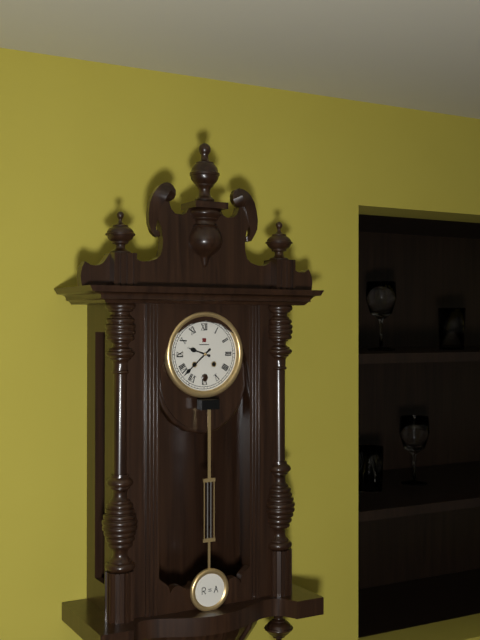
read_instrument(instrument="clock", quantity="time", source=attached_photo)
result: 9:38
